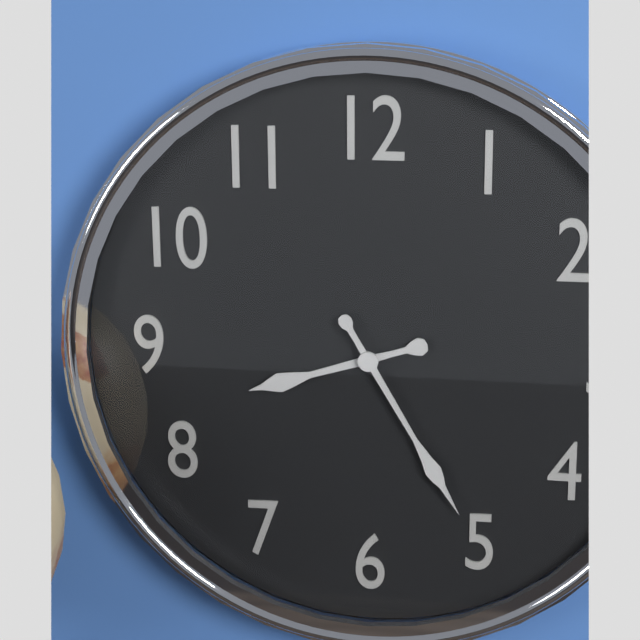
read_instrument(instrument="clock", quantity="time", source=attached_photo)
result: 8:25
